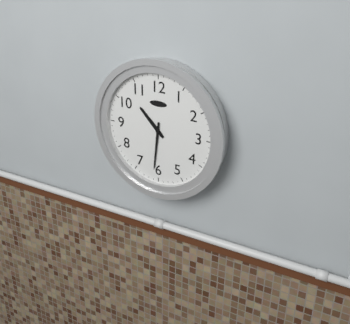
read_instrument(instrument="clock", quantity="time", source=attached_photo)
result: 10:31
